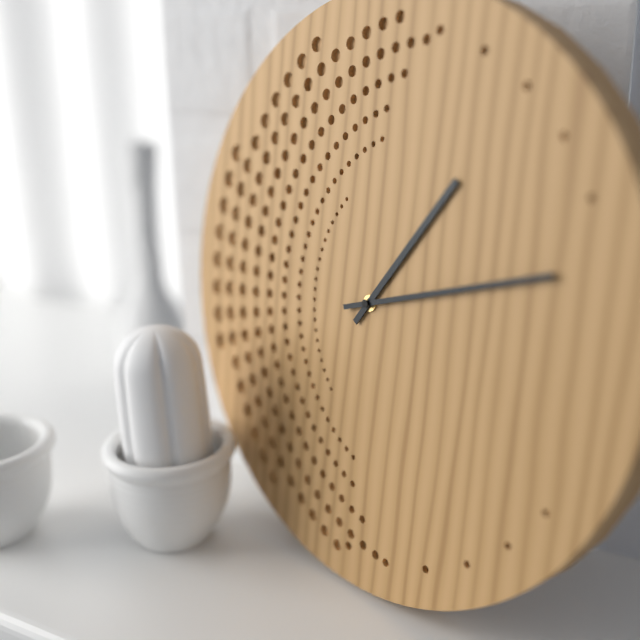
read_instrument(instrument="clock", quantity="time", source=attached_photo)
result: 1:12
